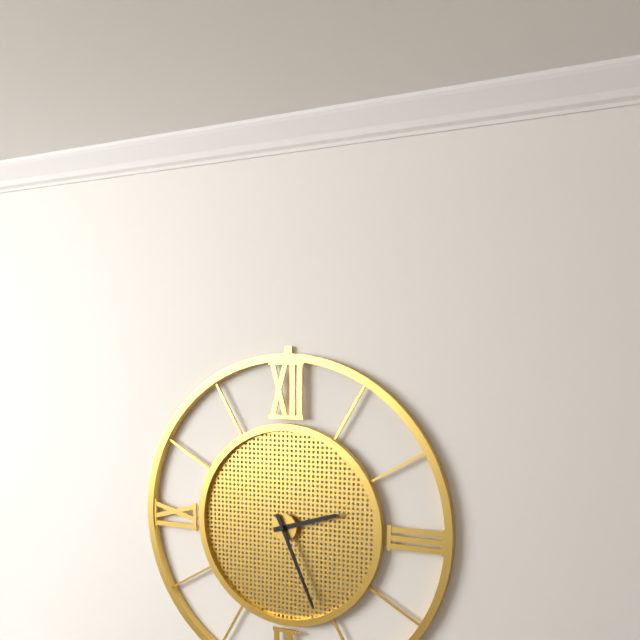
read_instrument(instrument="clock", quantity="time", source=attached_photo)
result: 2:26
